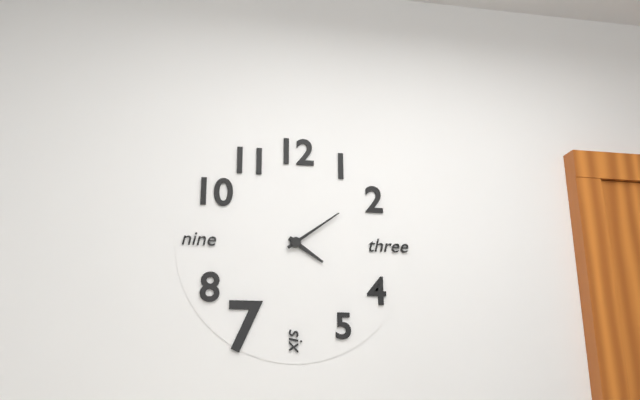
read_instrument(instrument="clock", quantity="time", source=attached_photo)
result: 4:09
